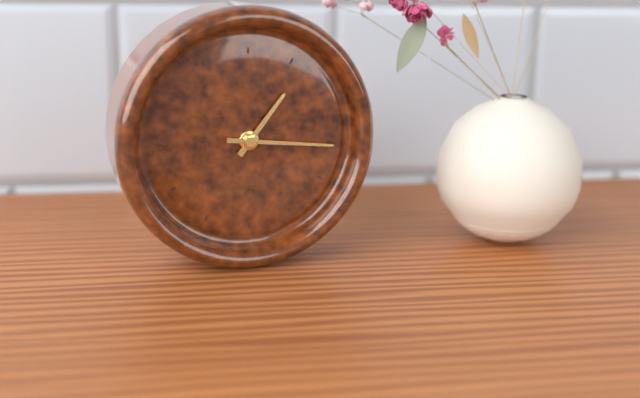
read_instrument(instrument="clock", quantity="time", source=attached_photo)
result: 1:16
